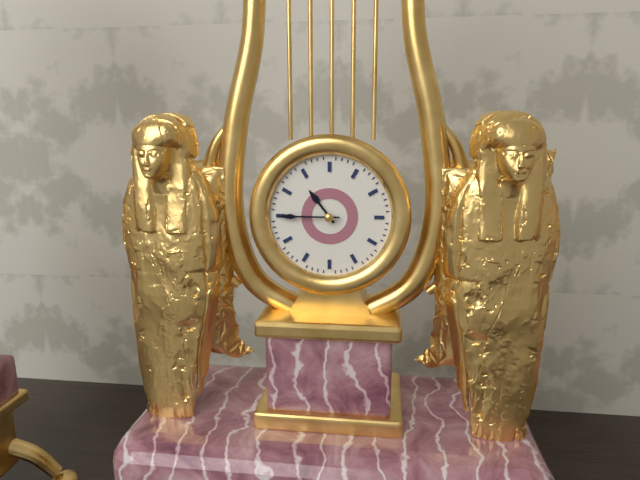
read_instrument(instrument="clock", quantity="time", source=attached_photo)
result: 10:45
